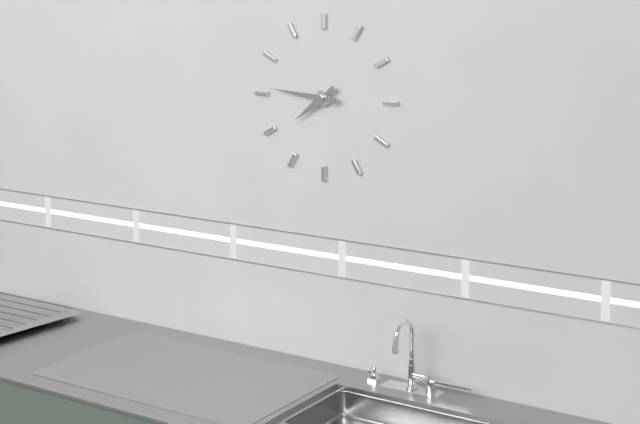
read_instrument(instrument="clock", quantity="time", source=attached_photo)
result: 7:46
